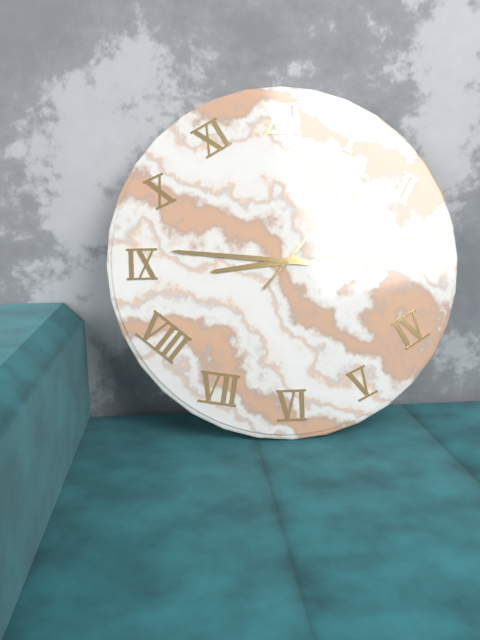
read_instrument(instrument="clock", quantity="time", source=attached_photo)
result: 8:46:07
